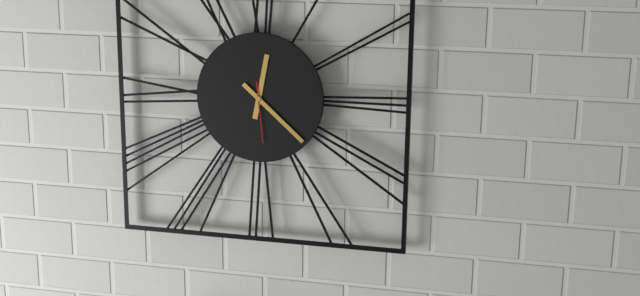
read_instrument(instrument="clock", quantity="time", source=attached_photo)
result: 12:22:29
